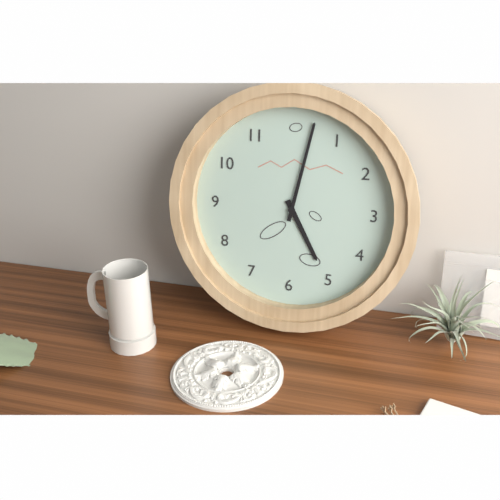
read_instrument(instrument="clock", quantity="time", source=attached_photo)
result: 5:02
